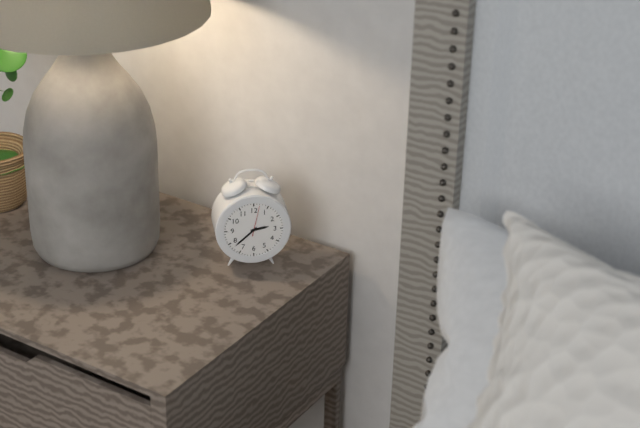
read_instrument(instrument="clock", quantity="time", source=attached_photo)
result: 2:38
